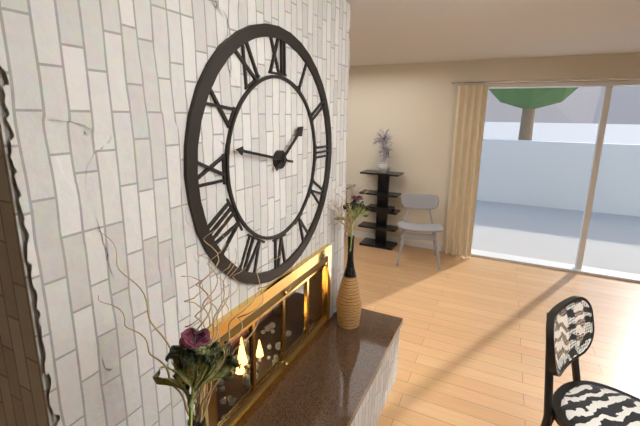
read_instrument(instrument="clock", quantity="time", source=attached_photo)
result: 1:47
